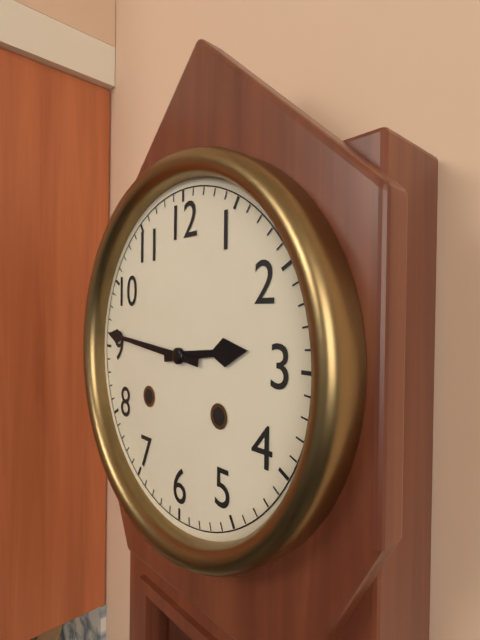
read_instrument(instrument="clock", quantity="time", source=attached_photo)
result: 2:46
